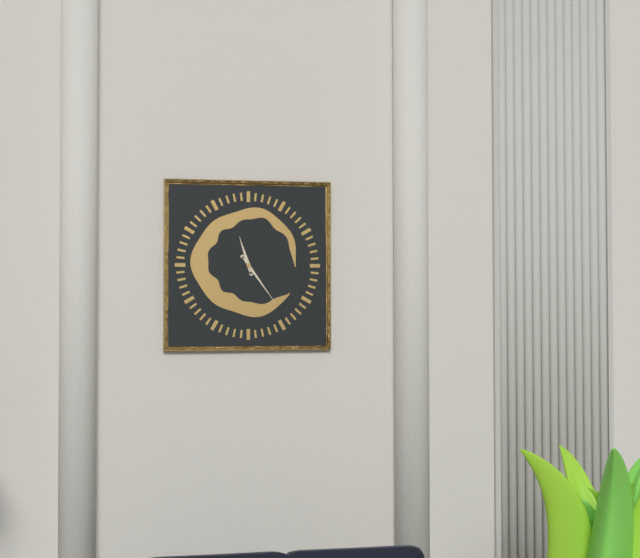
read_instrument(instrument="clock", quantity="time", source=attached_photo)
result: 11:24
